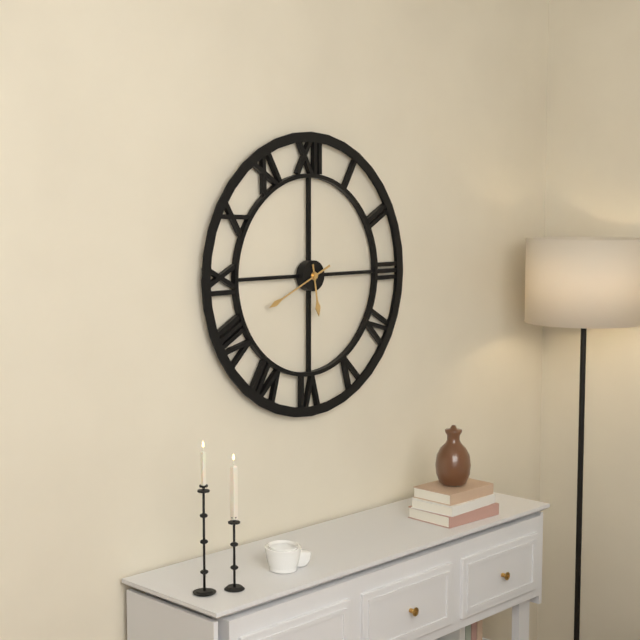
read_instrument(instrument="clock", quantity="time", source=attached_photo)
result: 5:41
